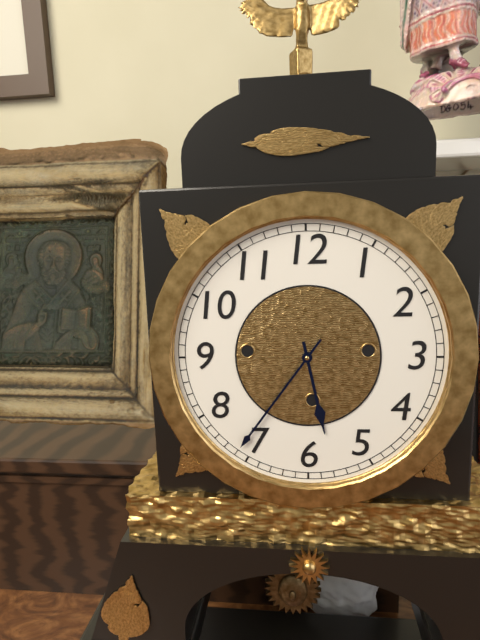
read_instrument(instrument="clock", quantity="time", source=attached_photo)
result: 5:36
